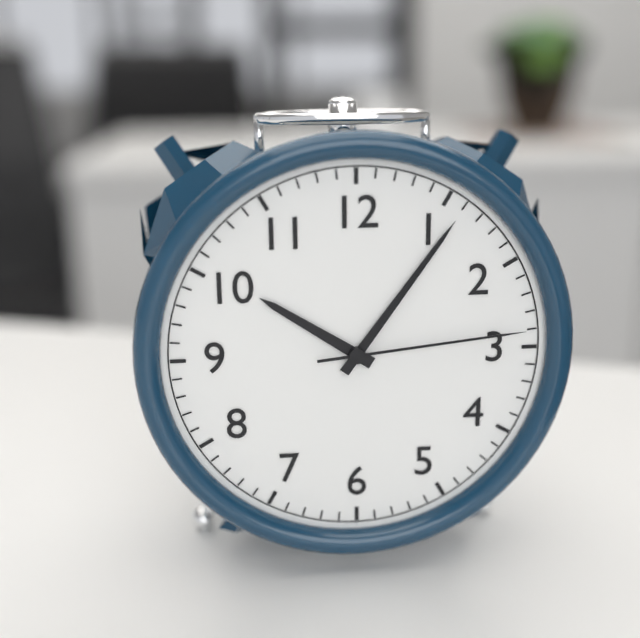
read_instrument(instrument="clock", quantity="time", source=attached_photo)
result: 10:06:14
